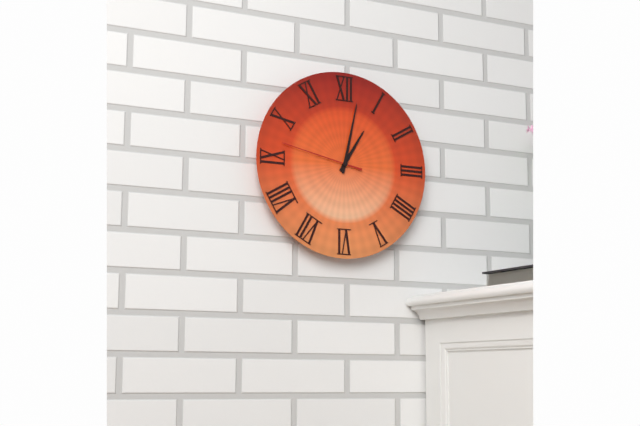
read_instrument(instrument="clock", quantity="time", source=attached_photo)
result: 1:02:47
